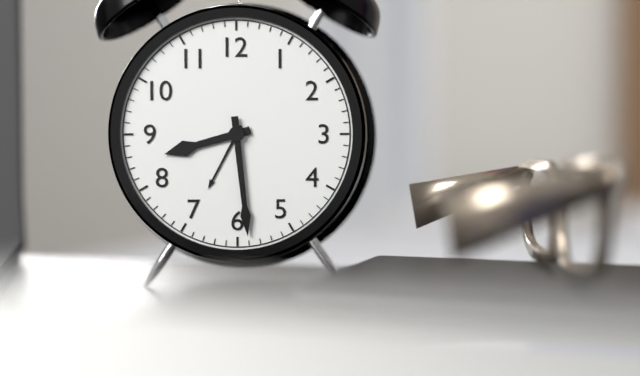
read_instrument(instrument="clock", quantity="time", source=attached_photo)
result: 8:29
